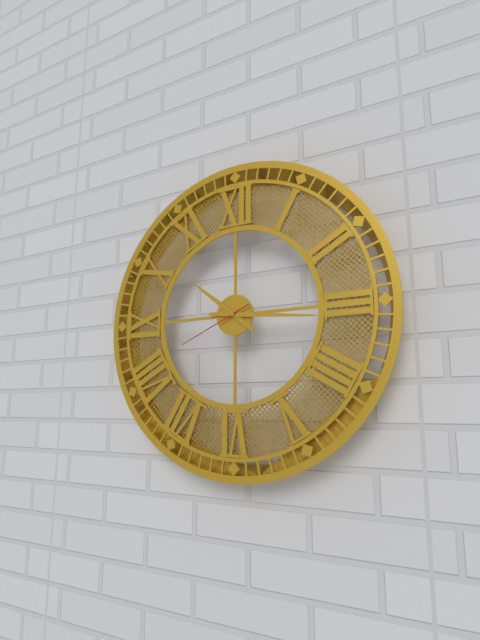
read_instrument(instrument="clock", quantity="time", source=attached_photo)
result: 10:16:41
